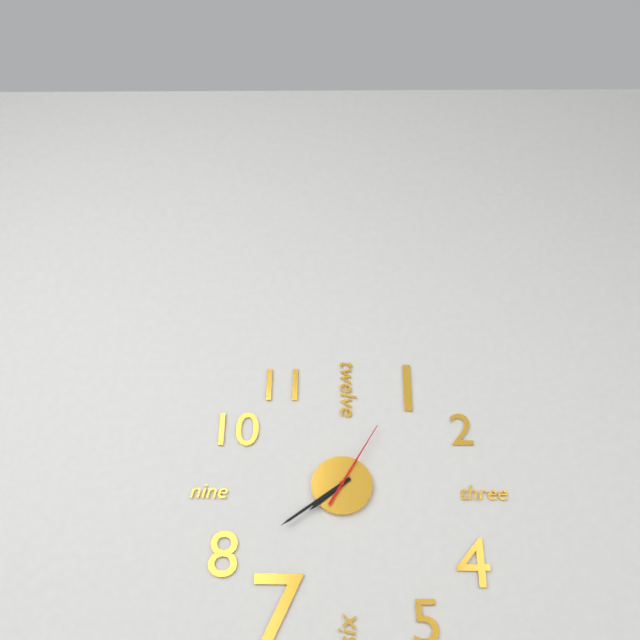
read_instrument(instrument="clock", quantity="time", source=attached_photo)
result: 7:39:05
